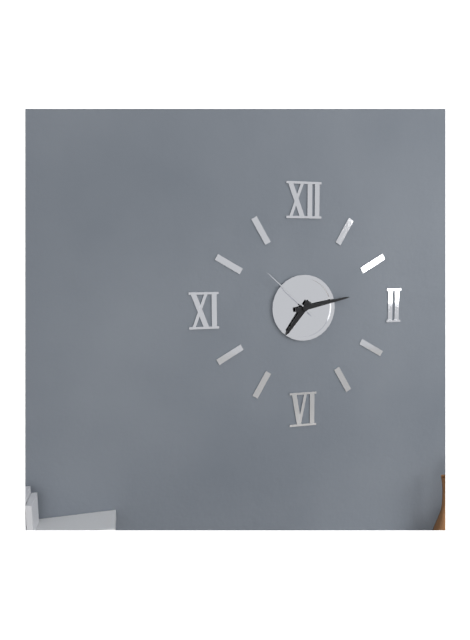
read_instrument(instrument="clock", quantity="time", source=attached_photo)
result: 7:13:52
